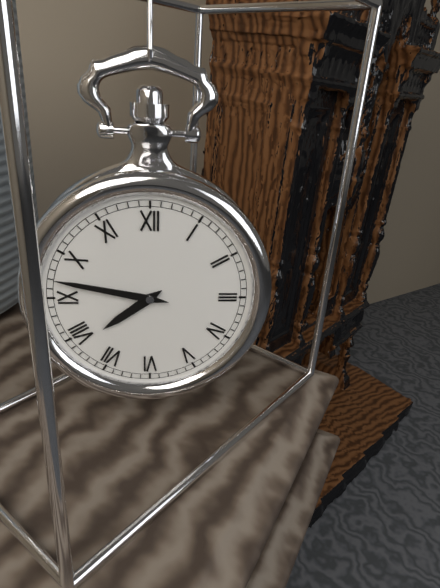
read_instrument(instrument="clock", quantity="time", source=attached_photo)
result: 7:47
